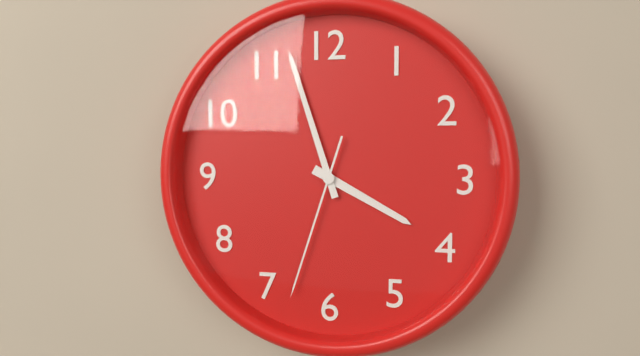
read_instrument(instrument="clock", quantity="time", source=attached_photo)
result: 3:57:33
